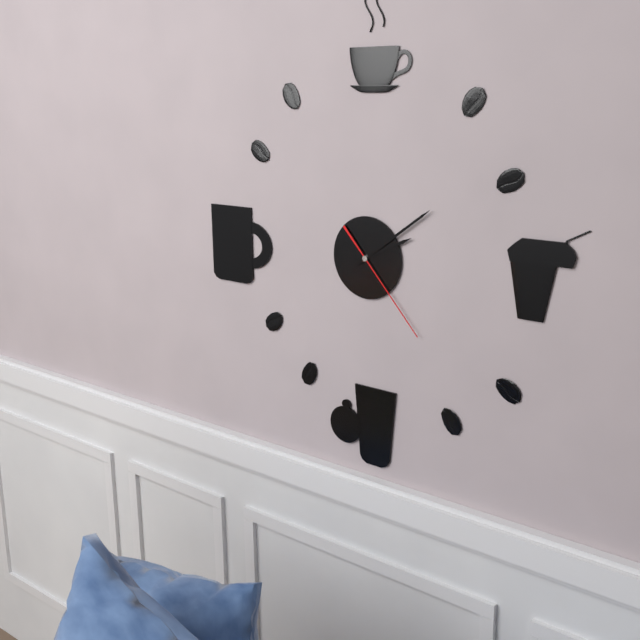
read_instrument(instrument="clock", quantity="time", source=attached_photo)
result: 2:09:23
